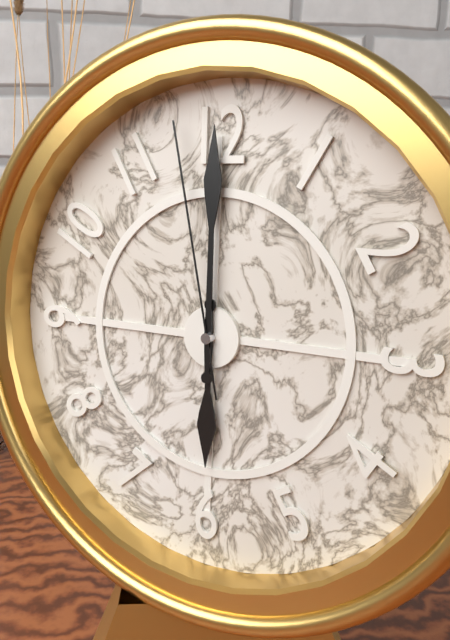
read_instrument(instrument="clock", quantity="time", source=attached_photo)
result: 6:00:58
